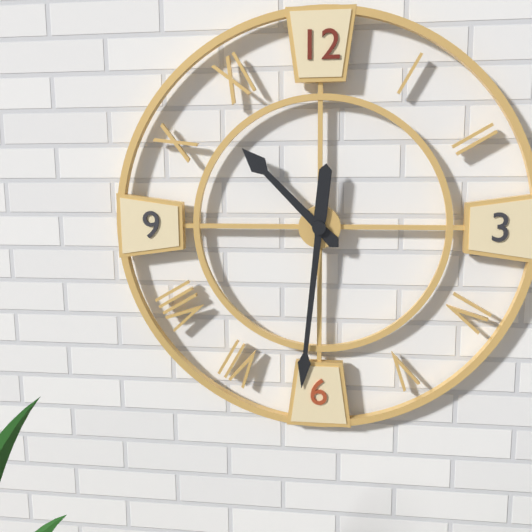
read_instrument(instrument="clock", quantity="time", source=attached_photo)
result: 10:31
